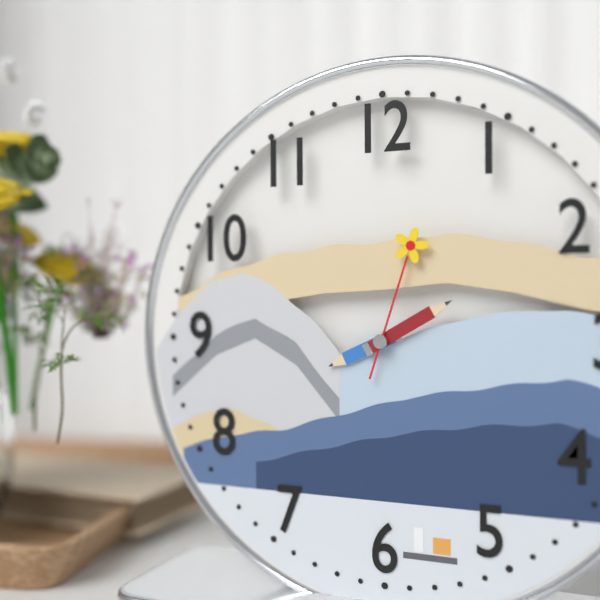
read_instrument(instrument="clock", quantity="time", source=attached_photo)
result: 8:10:03
